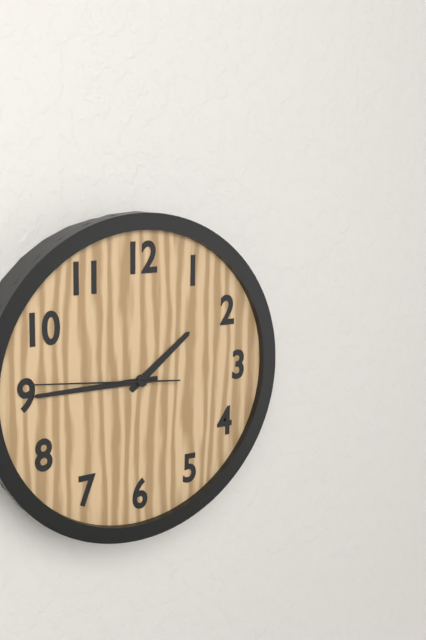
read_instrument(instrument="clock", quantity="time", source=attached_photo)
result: 1:45:46
